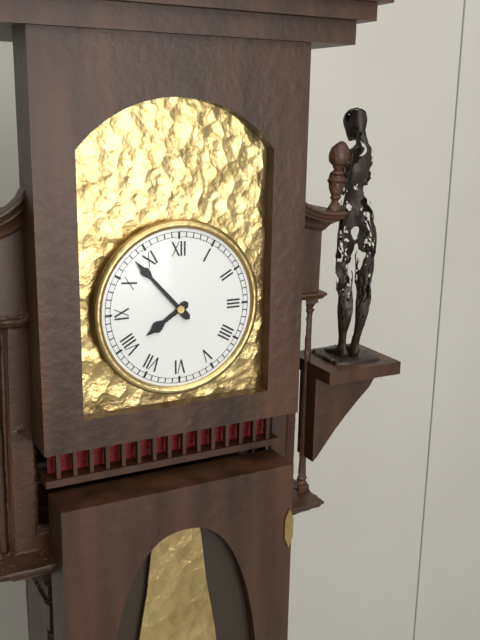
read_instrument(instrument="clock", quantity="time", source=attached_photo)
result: 7:53
